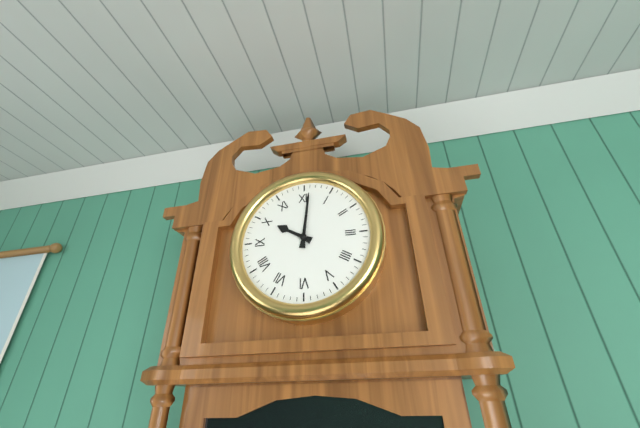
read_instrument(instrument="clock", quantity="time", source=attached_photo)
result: 10:01
